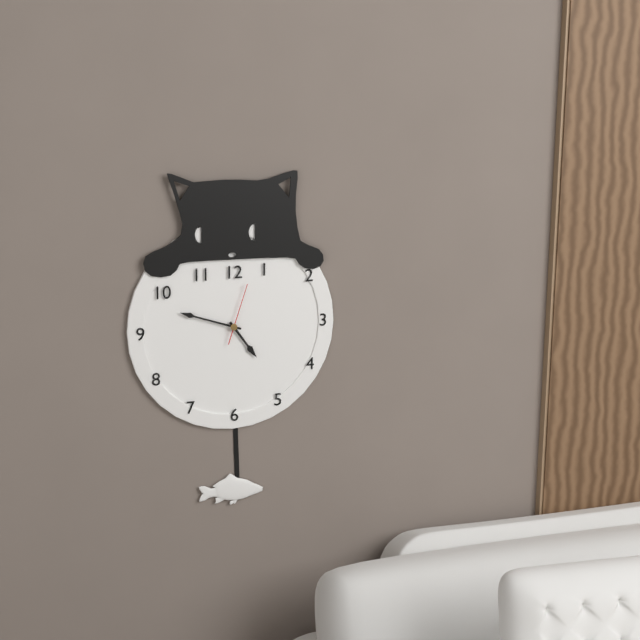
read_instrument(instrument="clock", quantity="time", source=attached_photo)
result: 4:48:03
